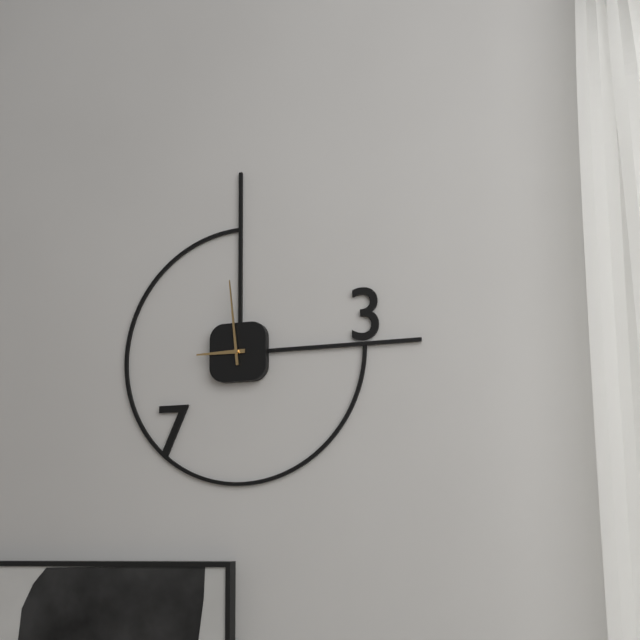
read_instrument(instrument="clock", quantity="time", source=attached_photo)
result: 8:59
